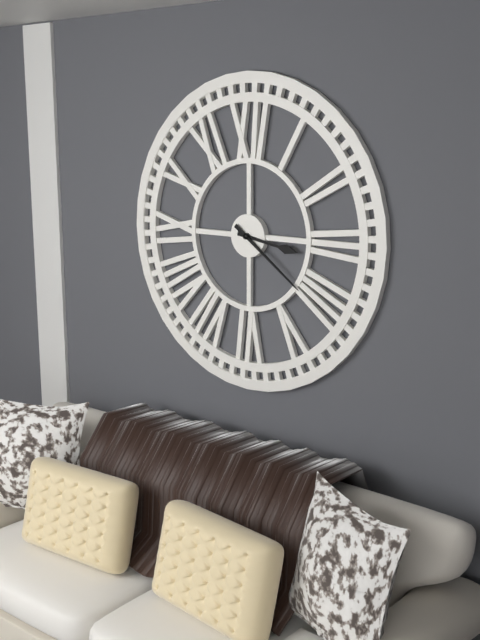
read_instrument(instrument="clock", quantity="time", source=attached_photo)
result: 3:21
